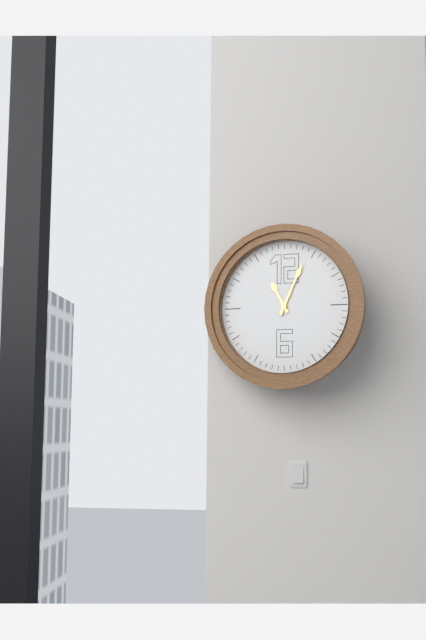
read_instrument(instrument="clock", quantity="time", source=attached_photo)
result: 11:04
